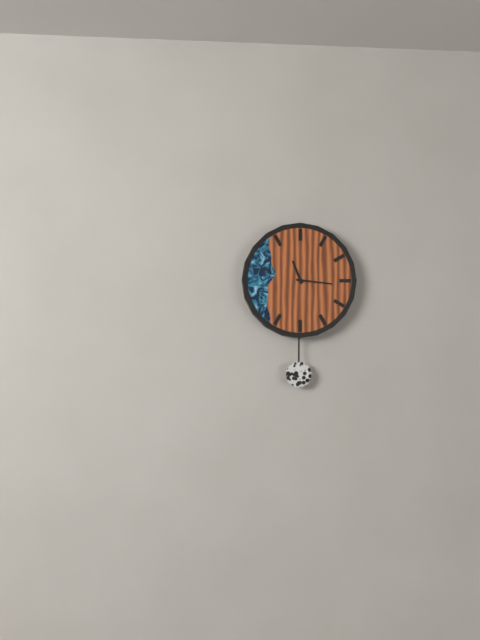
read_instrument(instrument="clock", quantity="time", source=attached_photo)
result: 11:16
